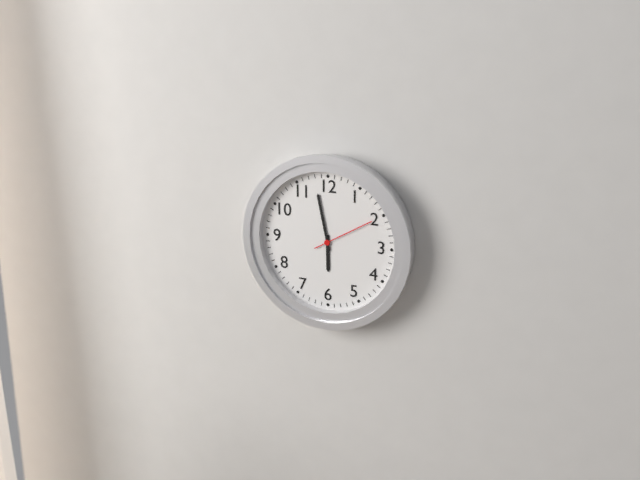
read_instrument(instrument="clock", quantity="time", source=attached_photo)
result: 5:58:10
